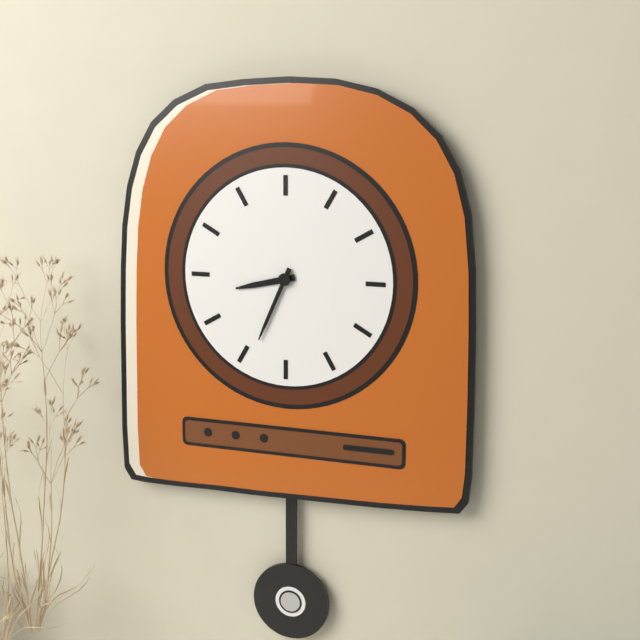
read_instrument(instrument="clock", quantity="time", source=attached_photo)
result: 8:34
